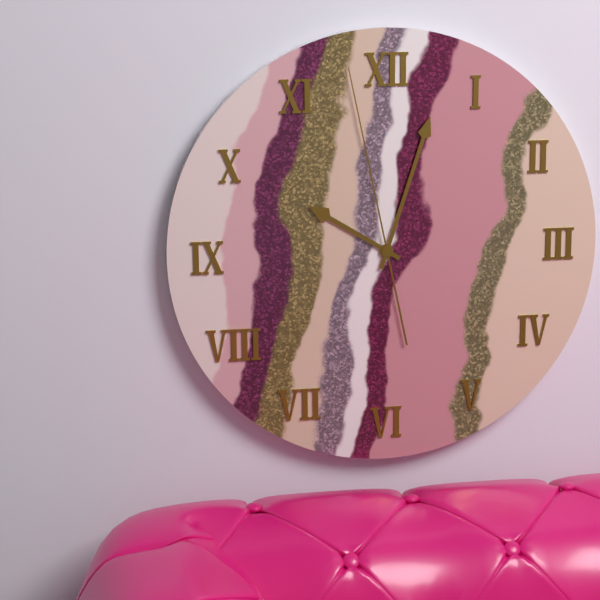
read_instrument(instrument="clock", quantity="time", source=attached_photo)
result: 10:03:58
